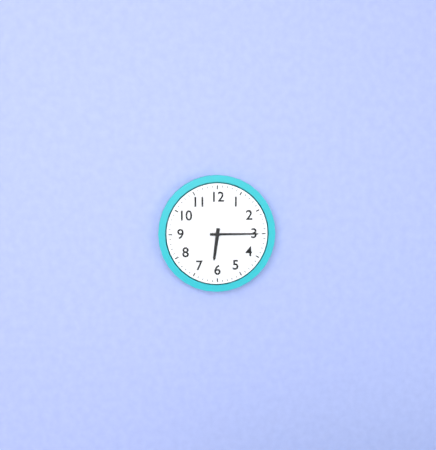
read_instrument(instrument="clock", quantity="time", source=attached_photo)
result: 6:15
